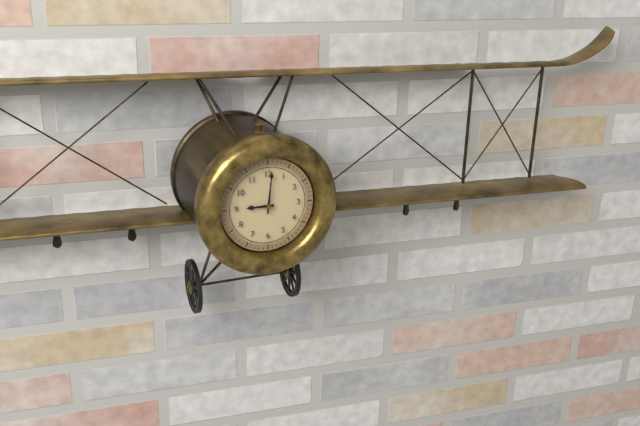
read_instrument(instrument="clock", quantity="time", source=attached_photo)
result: 9:01
